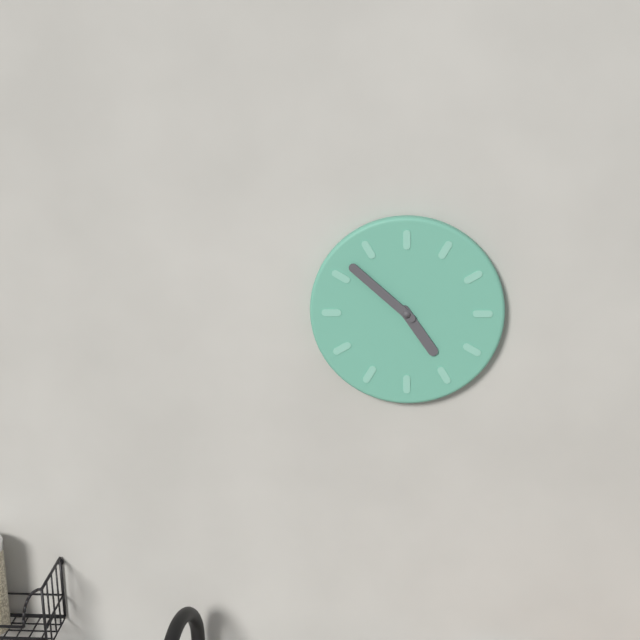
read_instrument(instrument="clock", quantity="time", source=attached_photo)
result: 4:52
